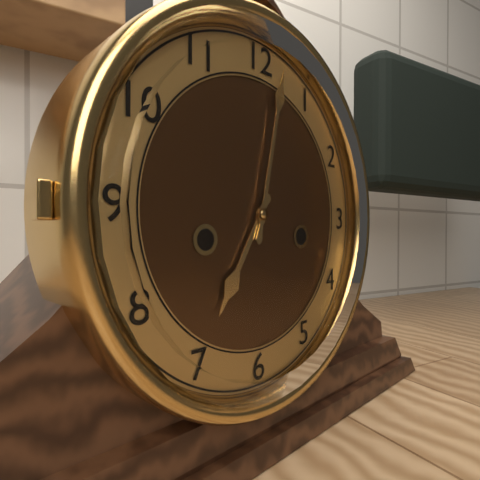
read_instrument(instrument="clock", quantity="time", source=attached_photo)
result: 7:02
